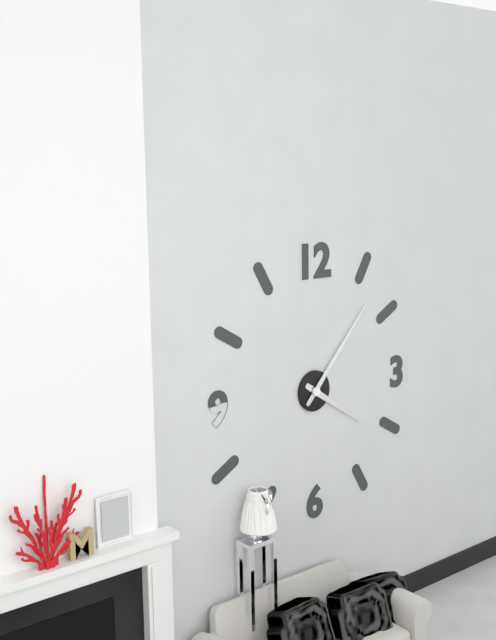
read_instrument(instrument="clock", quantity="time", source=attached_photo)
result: 4:07
